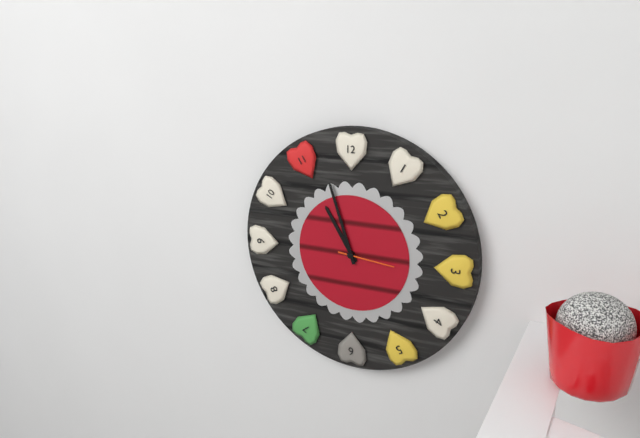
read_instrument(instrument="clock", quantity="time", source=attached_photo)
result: 10:57:16
